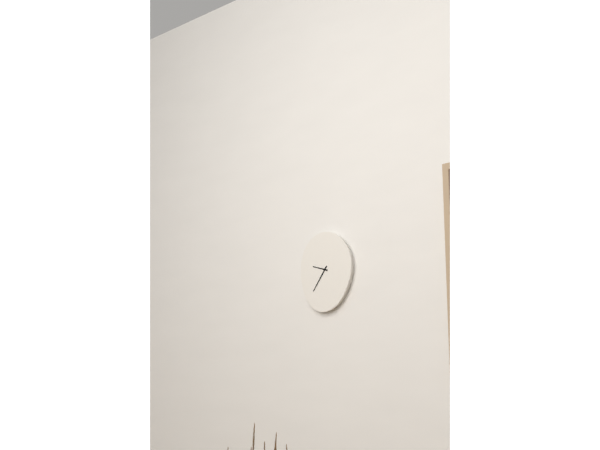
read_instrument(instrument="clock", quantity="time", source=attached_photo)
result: 9:36
